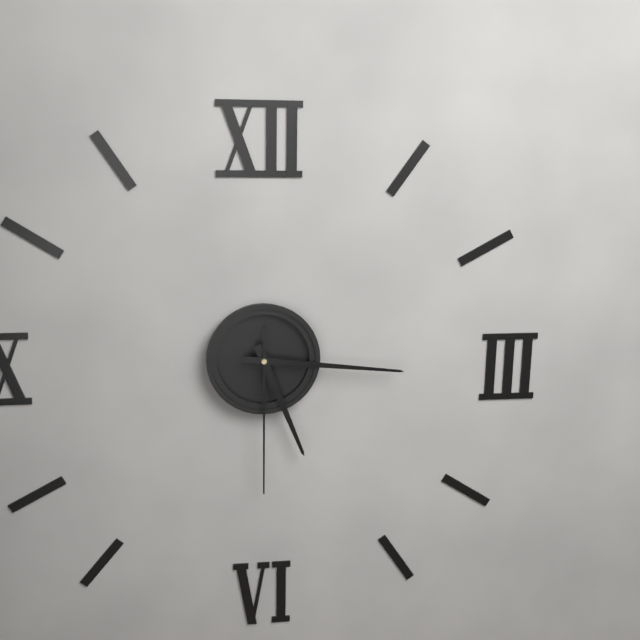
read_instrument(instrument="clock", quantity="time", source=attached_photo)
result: 5:16:30
